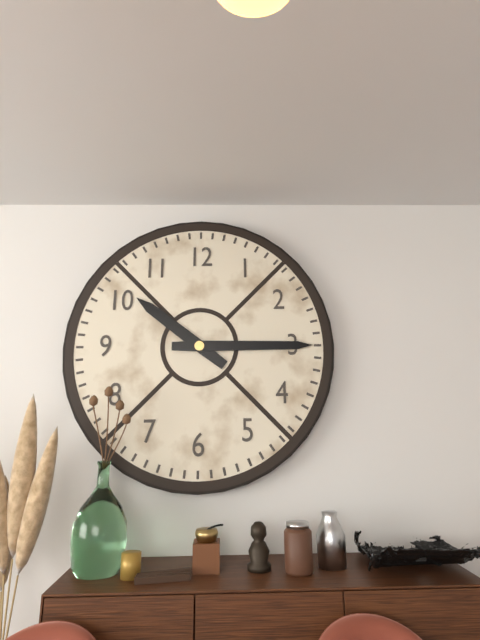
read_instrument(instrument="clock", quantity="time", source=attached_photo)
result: 10:15
